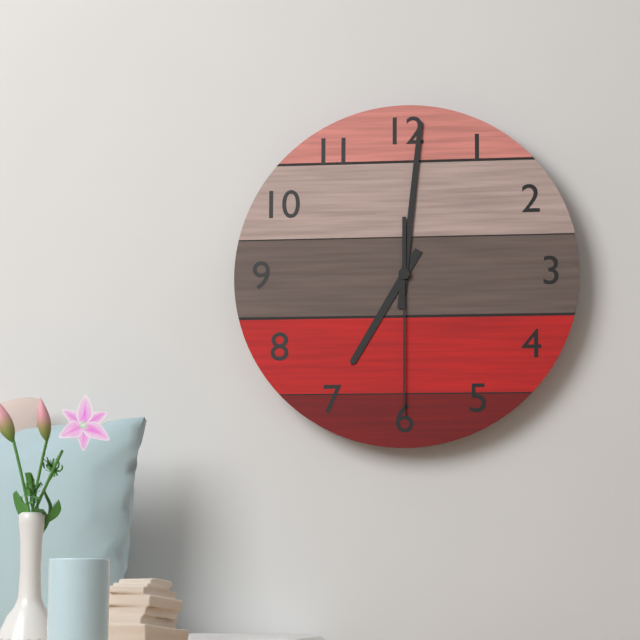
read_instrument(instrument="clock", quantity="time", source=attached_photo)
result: 7:01:30
